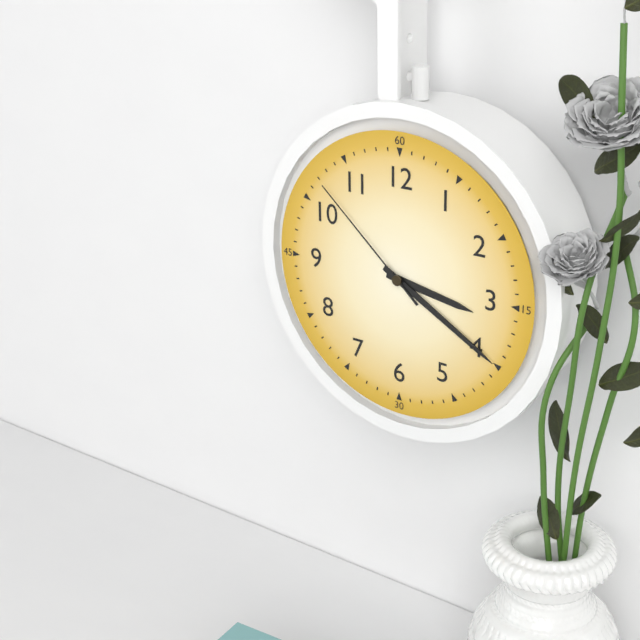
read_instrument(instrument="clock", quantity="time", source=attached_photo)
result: 3:20:52
